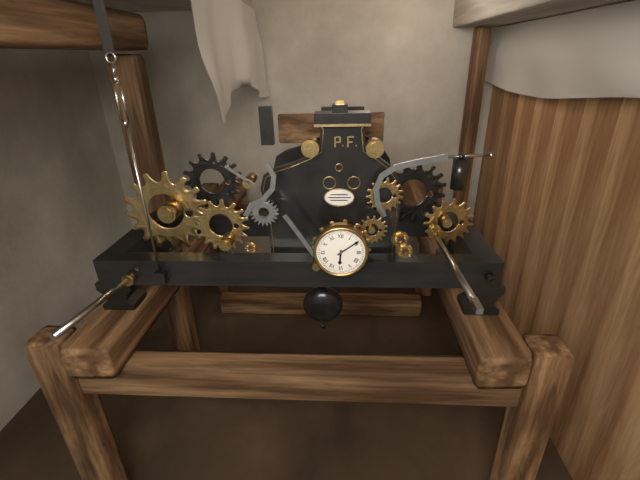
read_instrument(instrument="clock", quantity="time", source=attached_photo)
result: 6:09
